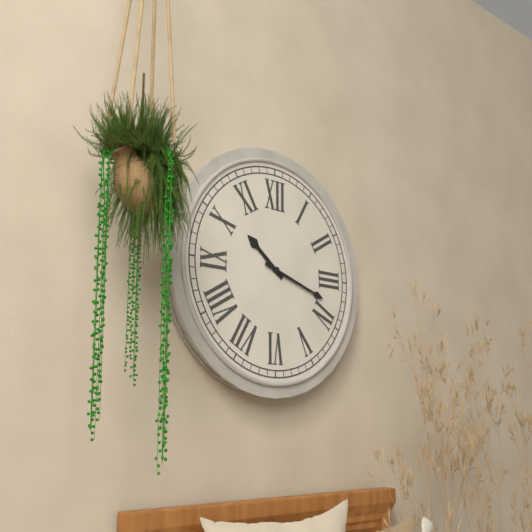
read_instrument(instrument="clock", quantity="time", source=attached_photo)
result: 10:18
